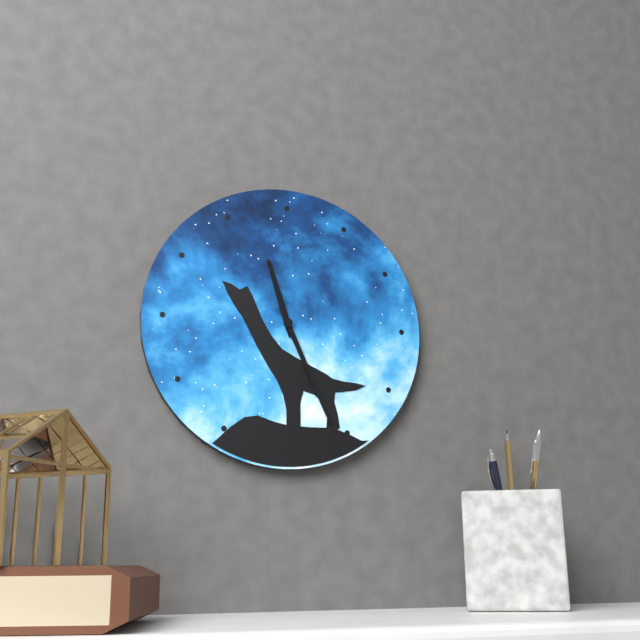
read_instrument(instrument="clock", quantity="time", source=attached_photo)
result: 11:26
